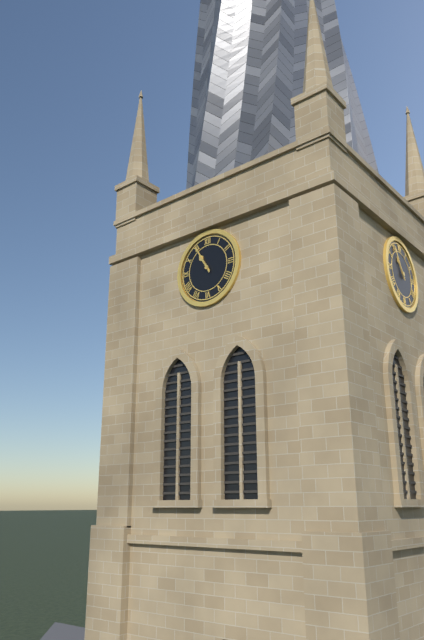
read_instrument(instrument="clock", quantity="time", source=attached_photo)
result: 10:55
